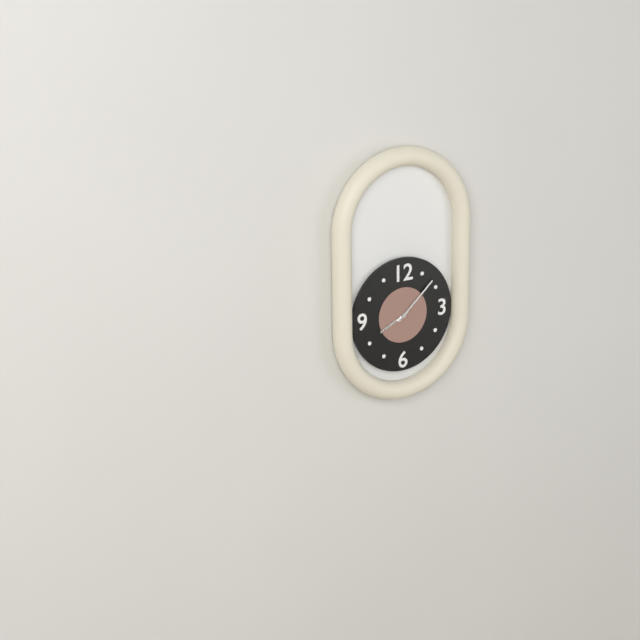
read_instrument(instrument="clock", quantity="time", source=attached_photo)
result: 8:08
